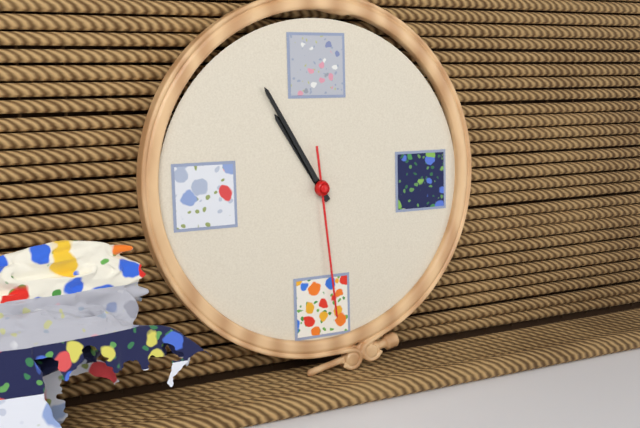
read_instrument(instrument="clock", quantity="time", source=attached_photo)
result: 10:55:29
